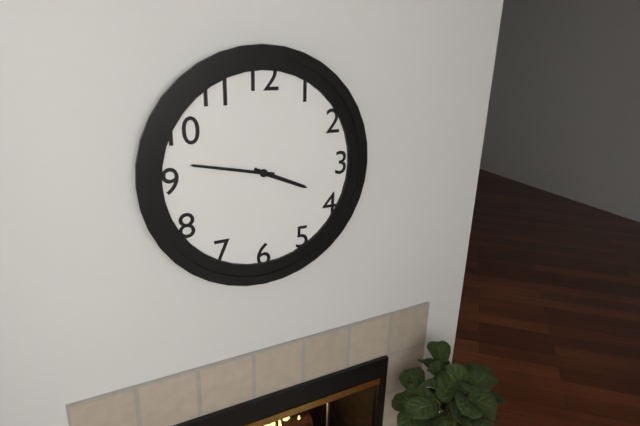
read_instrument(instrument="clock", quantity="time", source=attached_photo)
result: 3:47
